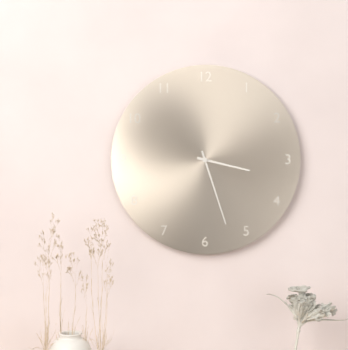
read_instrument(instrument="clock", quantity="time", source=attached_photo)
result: 3:27
